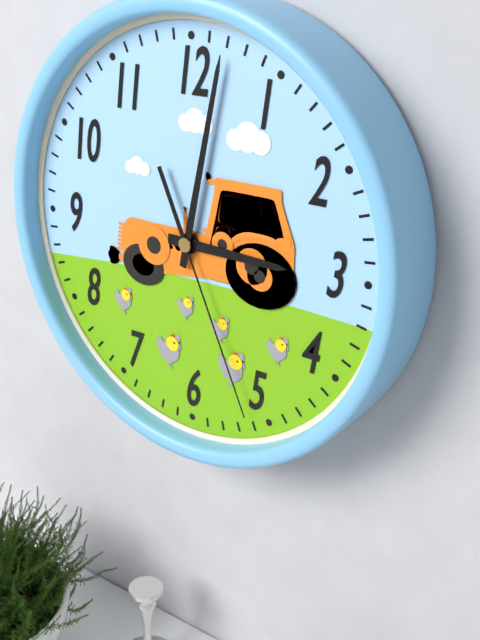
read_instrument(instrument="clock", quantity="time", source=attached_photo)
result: 3:02:26
